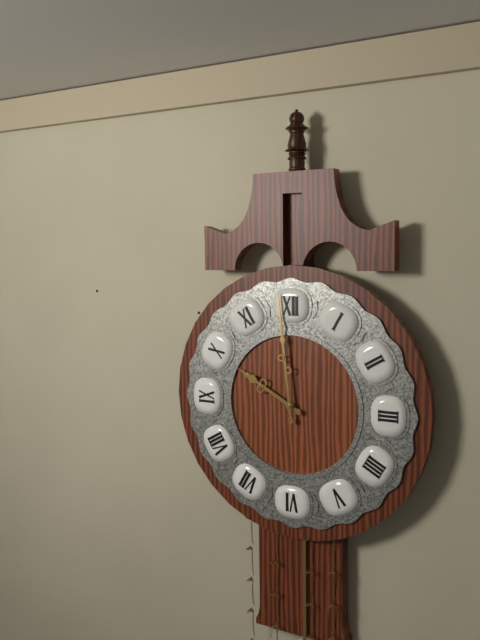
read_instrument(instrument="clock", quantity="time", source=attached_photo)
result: 9:59
